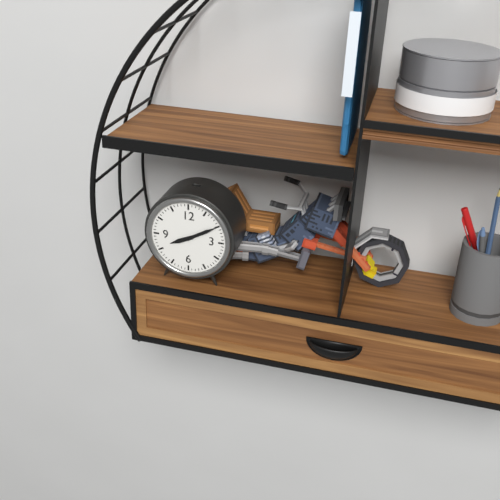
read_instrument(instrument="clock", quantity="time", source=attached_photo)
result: 8:10
